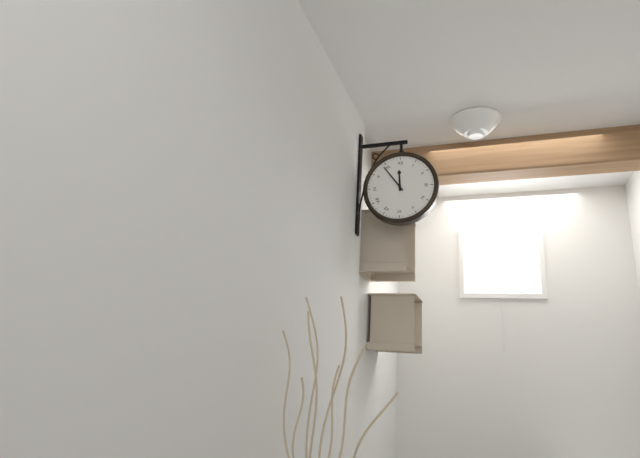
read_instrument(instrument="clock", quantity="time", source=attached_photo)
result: 11:54
